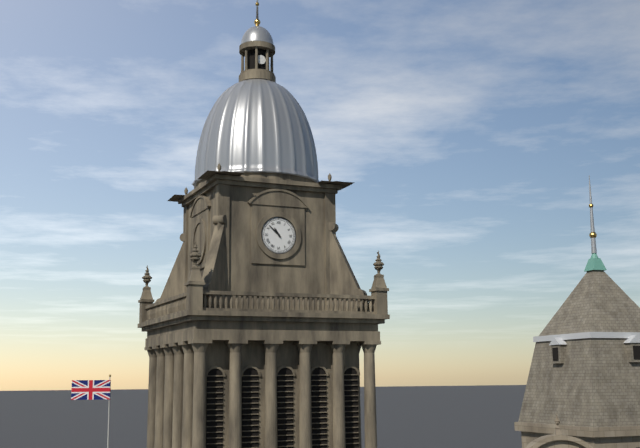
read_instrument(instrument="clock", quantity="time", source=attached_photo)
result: 10:52
